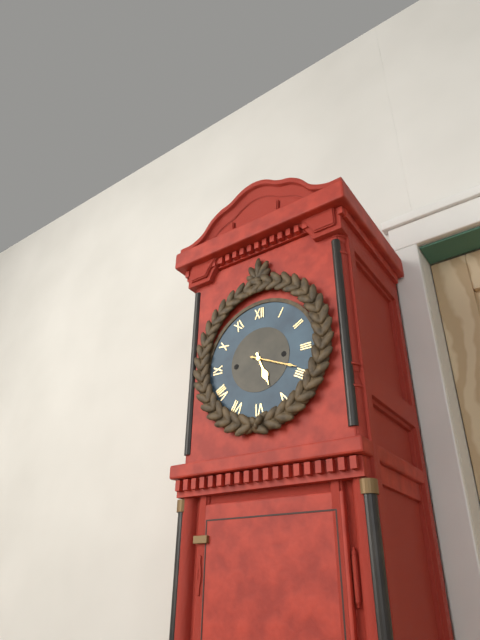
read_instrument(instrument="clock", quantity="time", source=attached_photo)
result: 5:19
